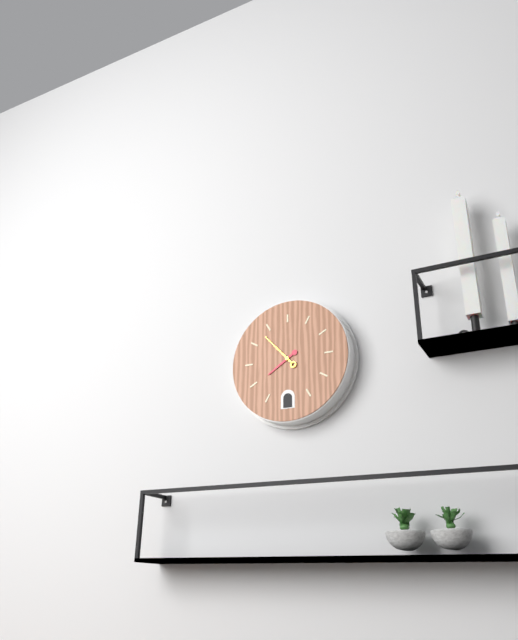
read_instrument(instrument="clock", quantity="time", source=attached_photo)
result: 7:53
